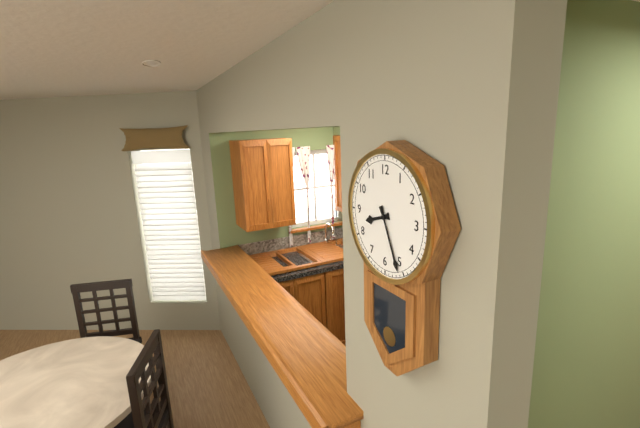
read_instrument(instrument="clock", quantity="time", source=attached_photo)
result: 8:26
